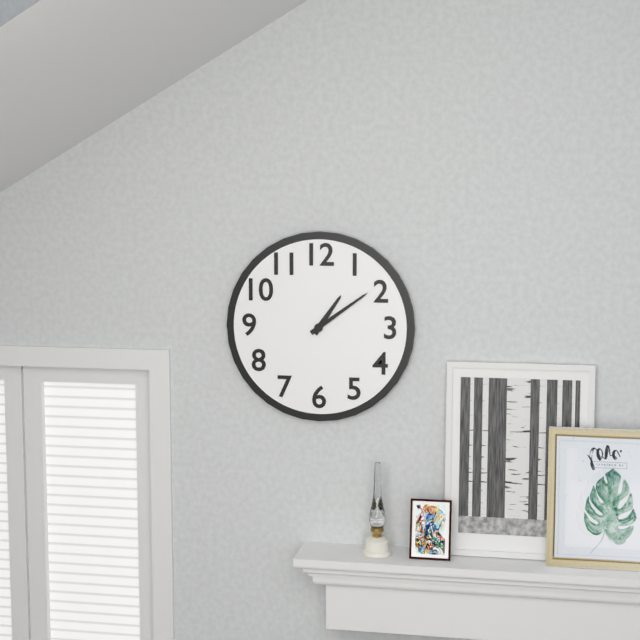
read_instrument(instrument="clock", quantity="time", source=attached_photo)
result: 1:09
